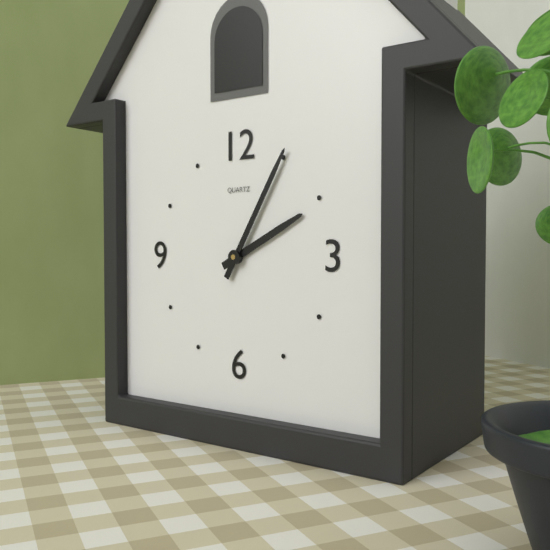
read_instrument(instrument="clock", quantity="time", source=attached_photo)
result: 2:05
